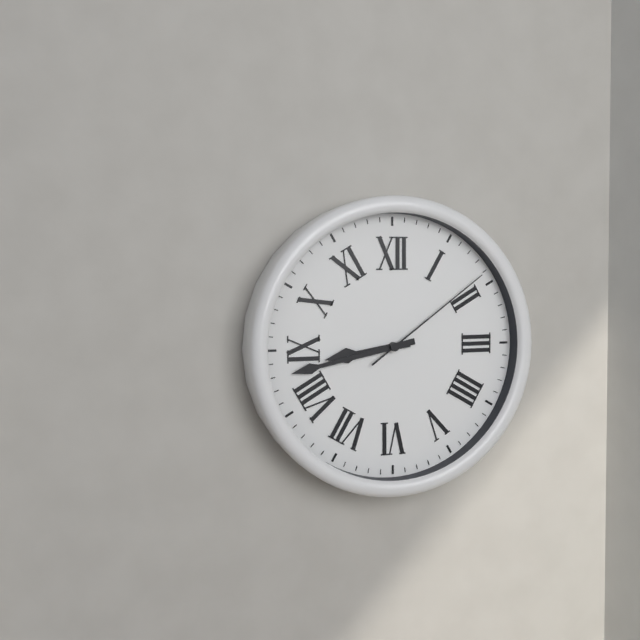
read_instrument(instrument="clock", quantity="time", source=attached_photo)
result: 8:43:09
